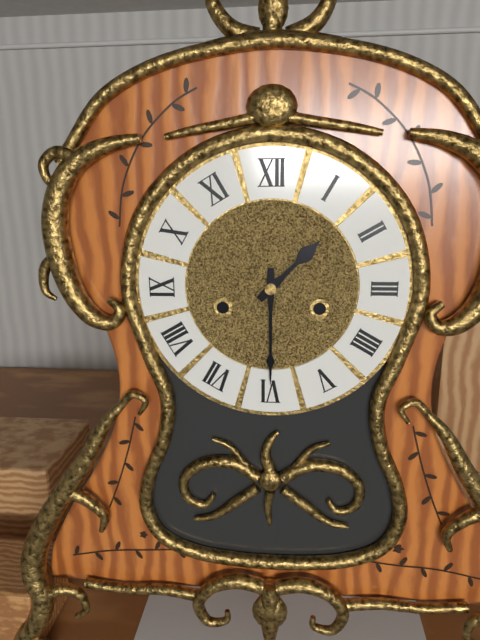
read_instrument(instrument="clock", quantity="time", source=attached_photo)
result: 1:30
